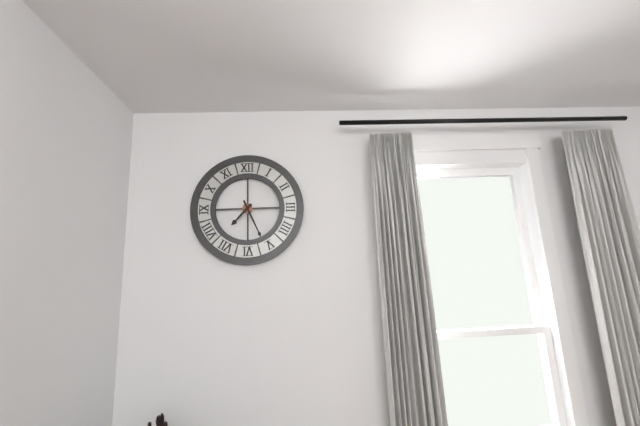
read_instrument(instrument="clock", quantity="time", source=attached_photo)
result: 7:26
